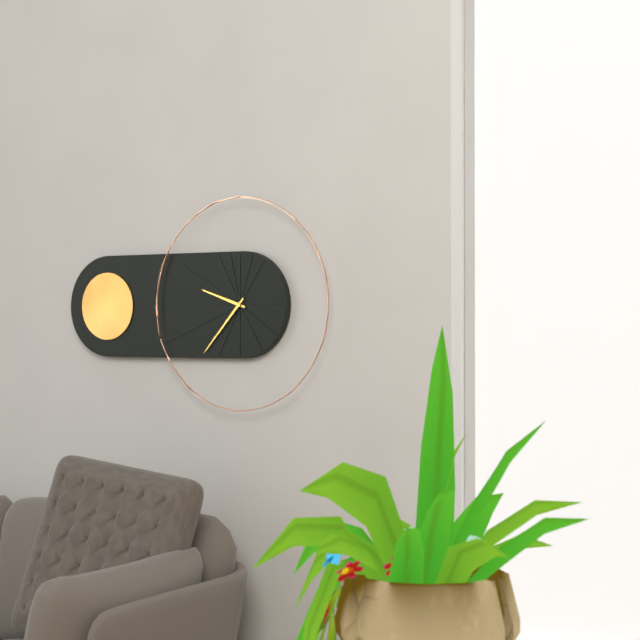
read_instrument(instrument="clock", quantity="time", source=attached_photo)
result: 9:37
